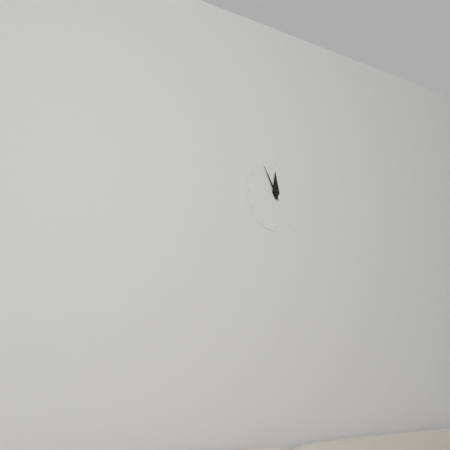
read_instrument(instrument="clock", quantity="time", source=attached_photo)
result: 11:55
